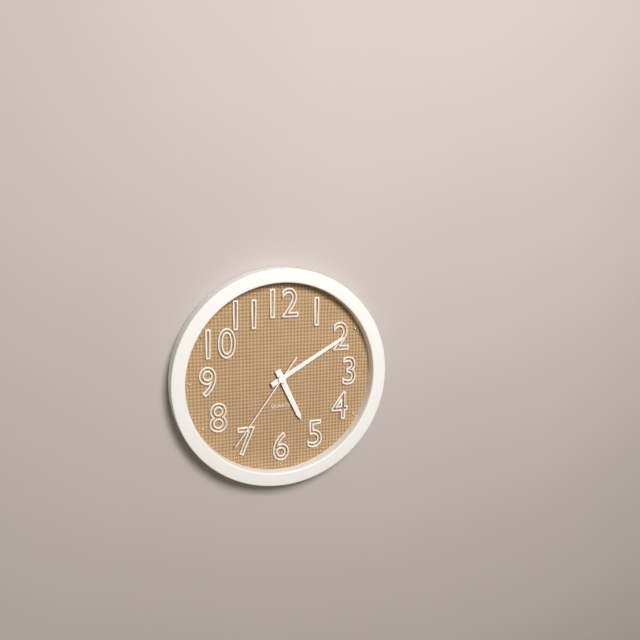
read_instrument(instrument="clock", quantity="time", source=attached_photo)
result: 5:10:36
